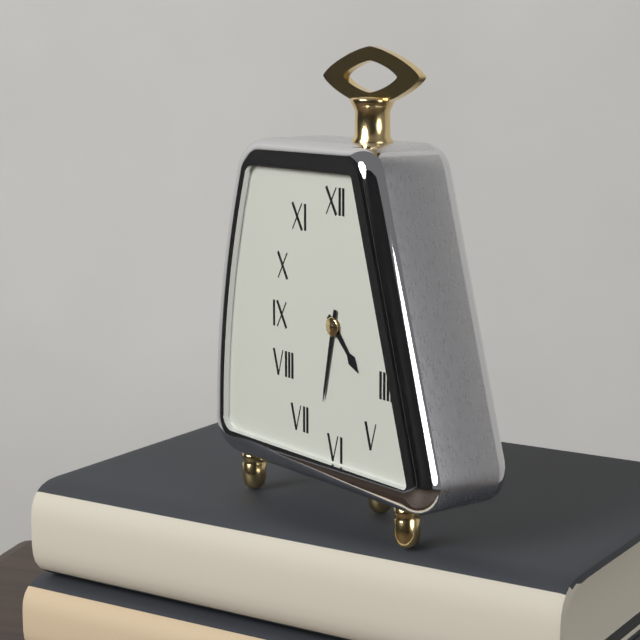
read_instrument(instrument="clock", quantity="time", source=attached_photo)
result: 4:32
